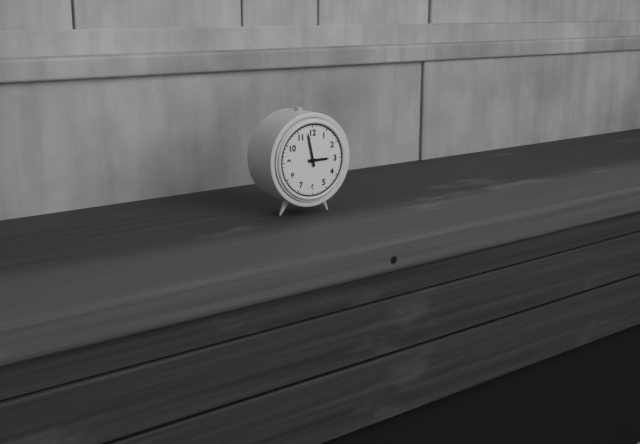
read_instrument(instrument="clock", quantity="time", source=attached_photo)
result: 2:58
